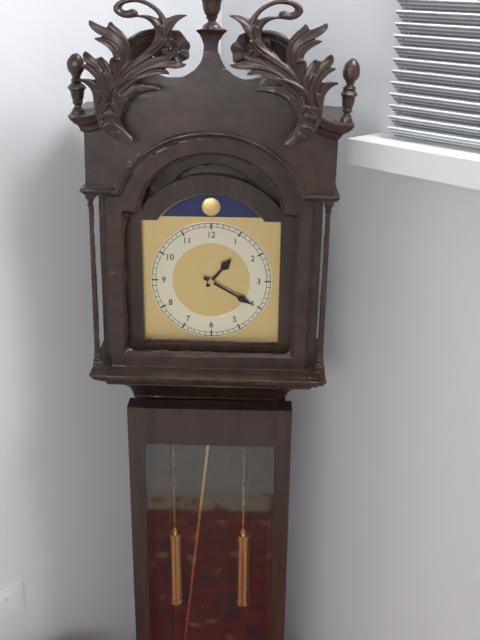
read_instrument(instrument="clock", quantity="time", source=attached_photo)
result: 1:20
